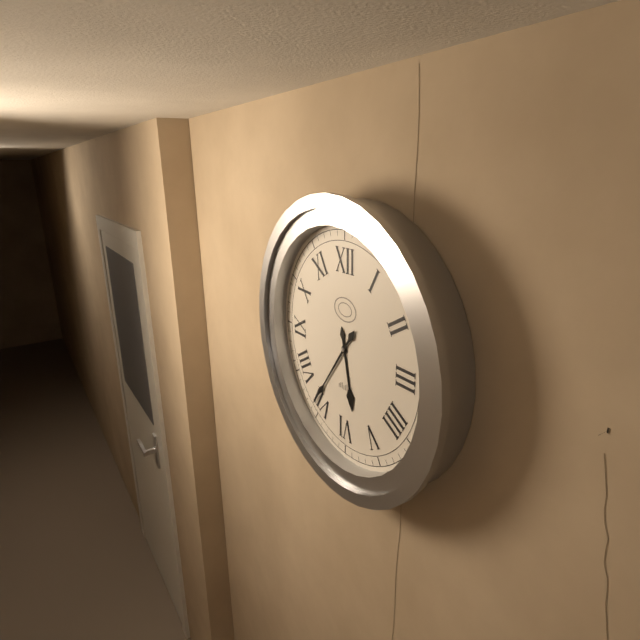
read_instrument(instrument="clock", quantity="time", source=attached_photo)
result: 5:36
